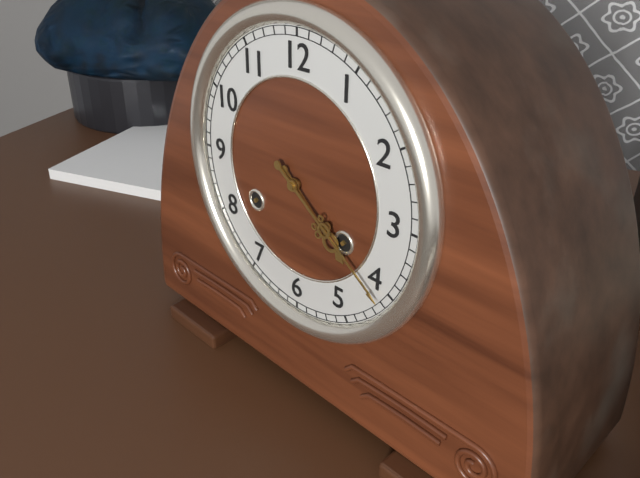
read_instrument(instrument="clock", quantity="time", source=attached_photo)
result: 4:21
